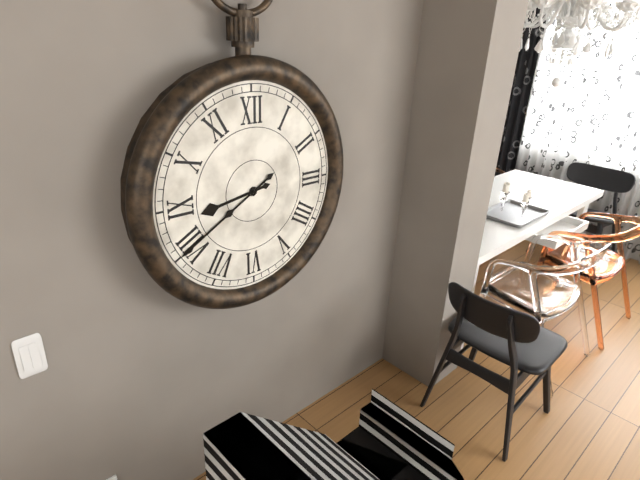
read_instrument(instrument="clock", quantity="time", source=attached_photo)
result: 8:40
